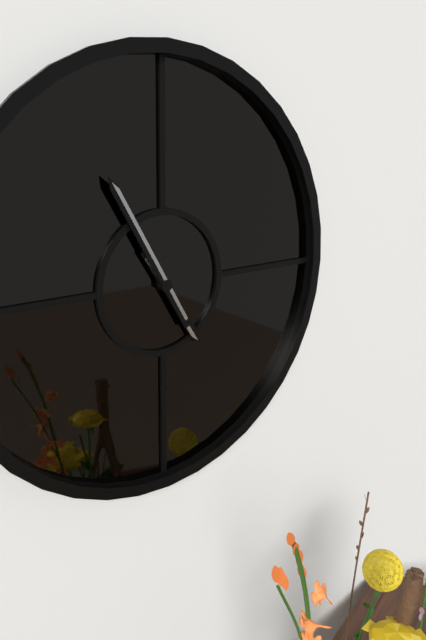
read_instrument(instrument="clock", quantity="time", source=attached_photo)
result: 4:55
